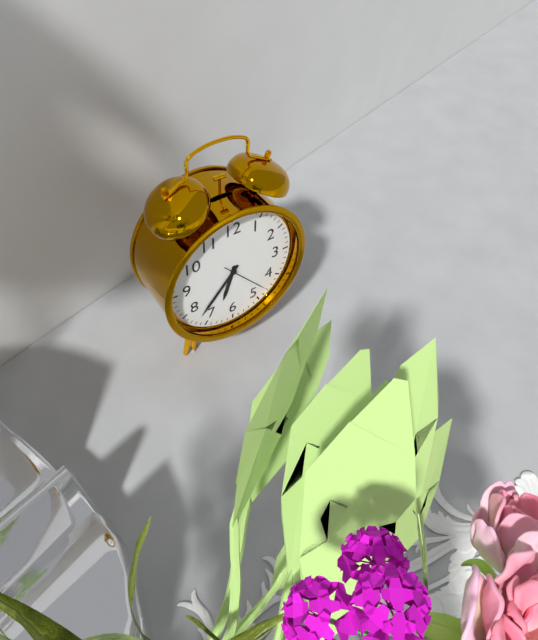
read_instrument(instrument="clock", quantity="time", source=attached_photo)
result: 6:37
